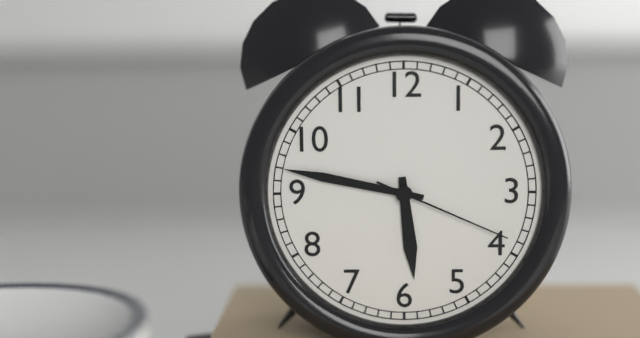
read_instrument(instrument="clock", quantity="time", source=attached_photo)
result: 5:47:19
